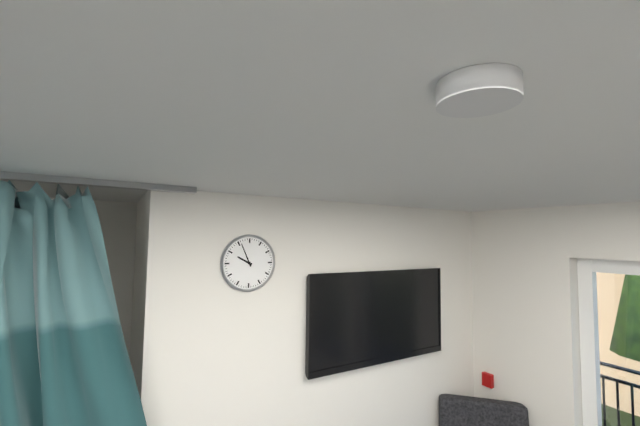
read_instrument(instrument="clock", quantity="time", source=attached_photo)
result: 9:56
